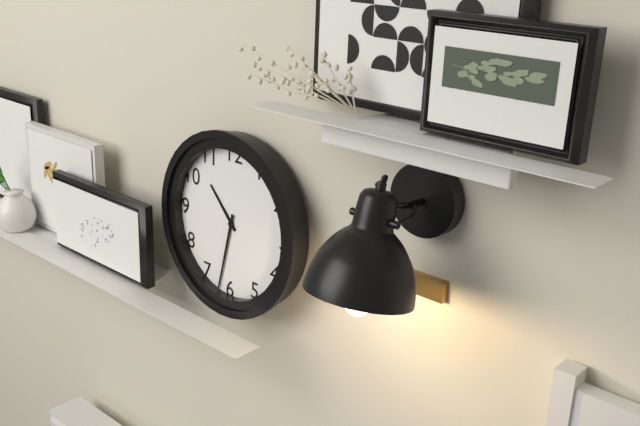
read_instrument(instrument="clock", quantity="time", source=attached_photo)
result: 10:32
